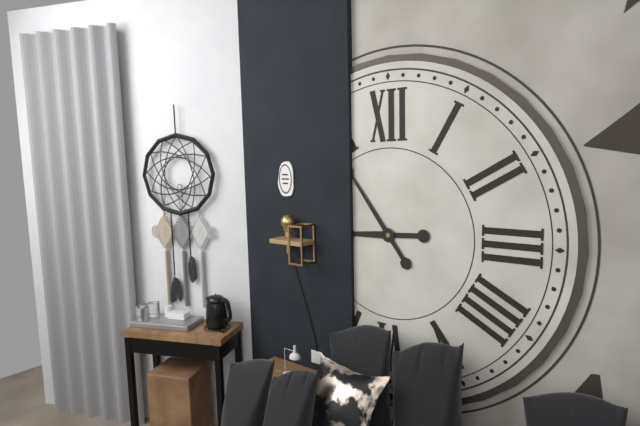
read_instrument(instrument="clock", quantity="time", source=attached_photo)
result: 8:54
